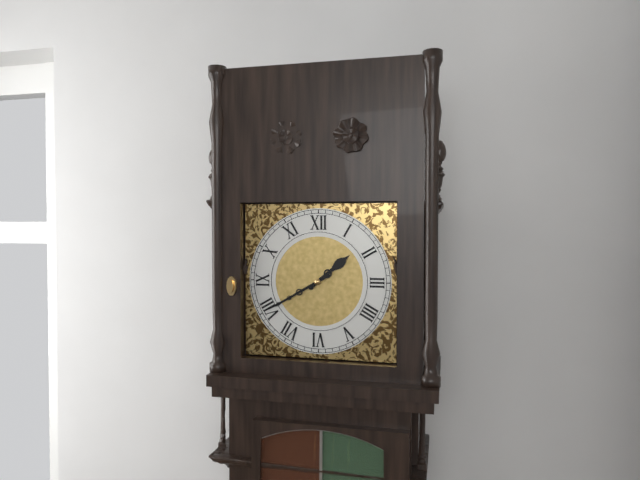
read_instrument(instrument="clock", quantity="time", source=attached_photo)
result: 1:40
